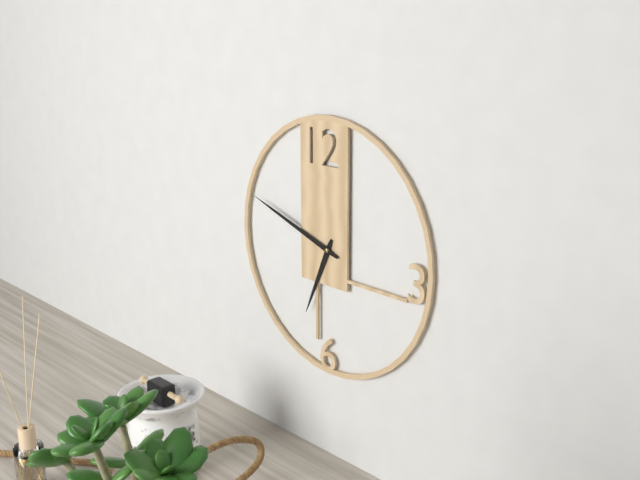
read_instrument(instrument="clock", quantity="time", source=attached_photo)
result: 6:48
